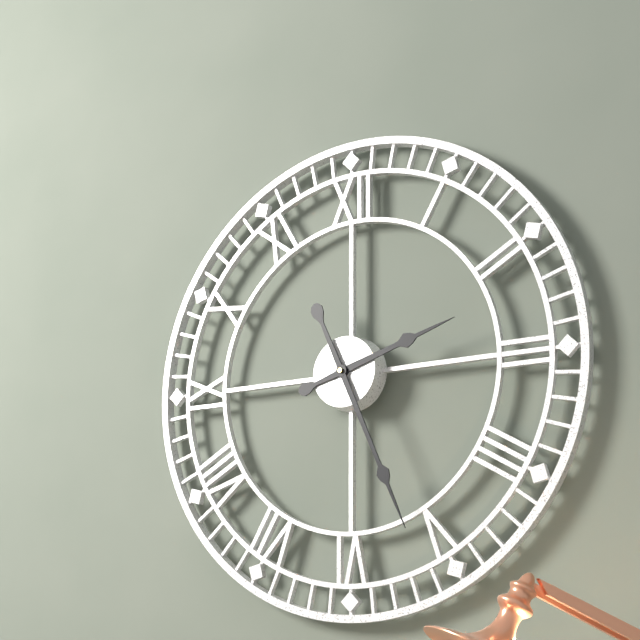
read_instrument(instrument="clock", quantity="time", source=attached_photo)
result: 2:26
